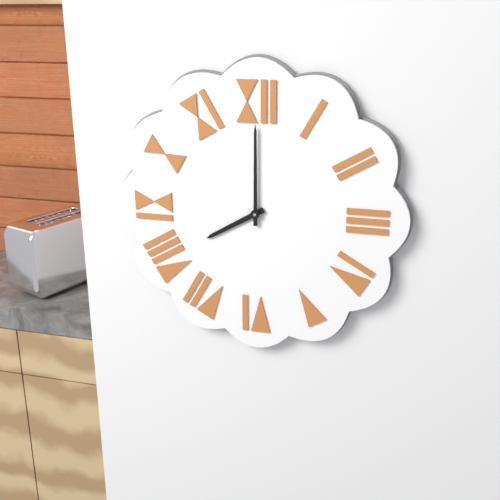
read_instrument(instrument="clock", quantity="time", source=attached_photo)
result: 8:00
